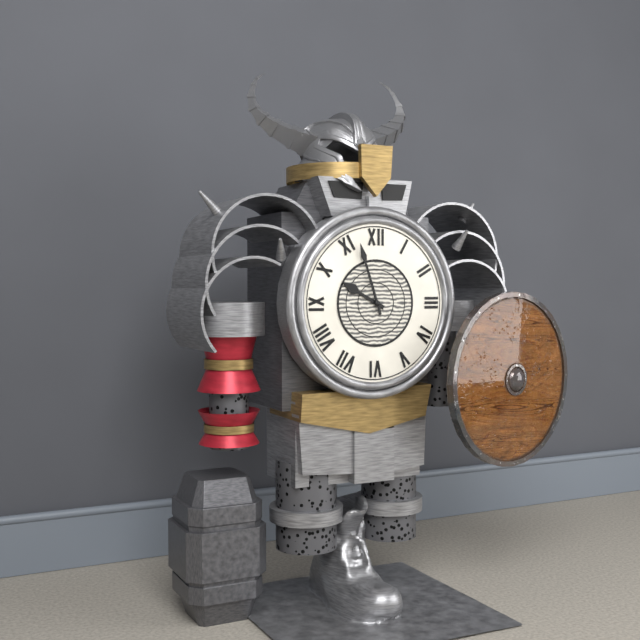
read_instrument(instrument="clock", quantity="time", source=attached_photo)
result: 9:57
